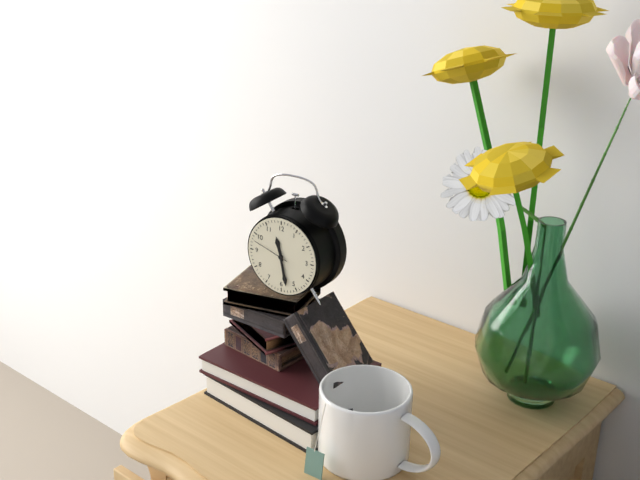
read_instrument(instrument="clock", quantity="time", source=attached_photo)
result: 11:28
